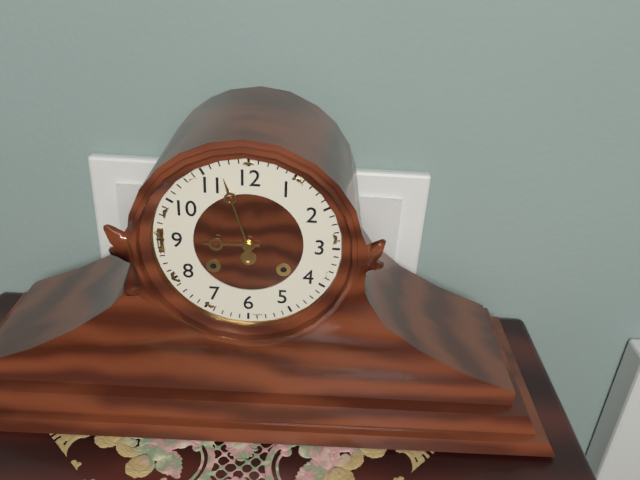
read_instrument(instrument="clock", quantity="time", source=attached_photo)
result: 8:57
